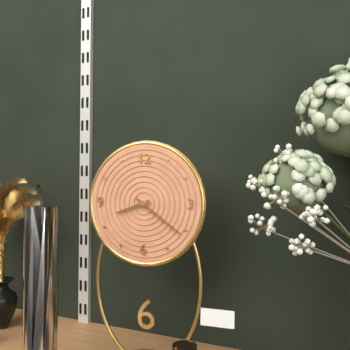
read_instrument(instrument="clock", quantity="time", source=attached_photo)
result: 8:21
